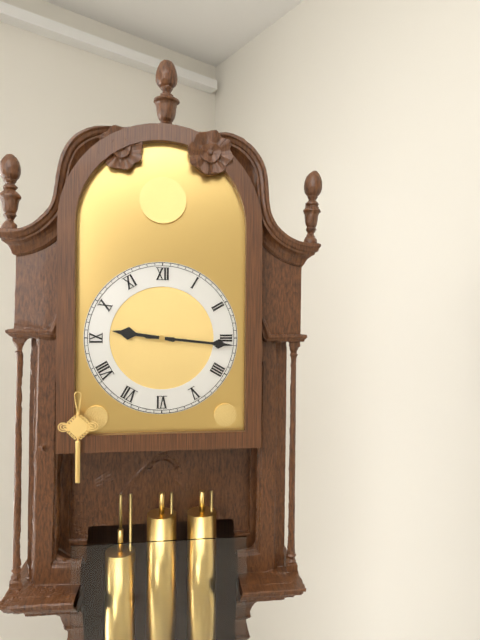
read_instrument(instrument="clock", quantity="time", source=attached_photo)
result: 9:16
